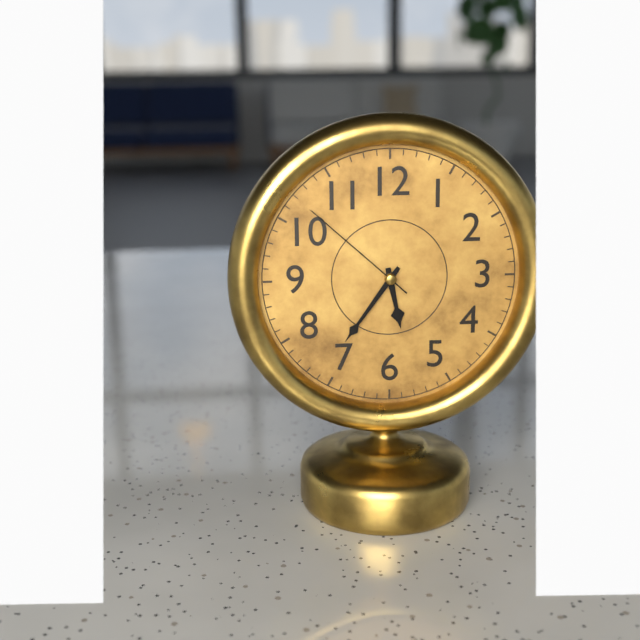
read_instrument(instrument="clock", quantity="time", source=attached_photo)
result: 5:36:52
